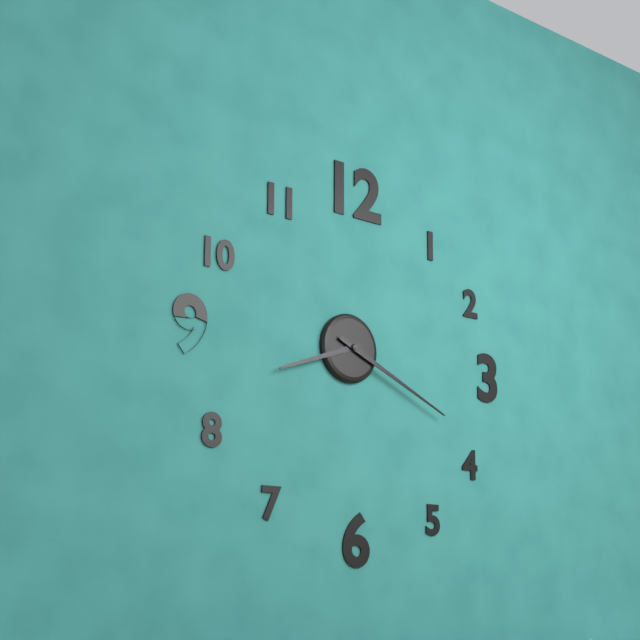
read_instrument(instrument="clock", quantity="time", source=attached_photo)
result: 8:19
